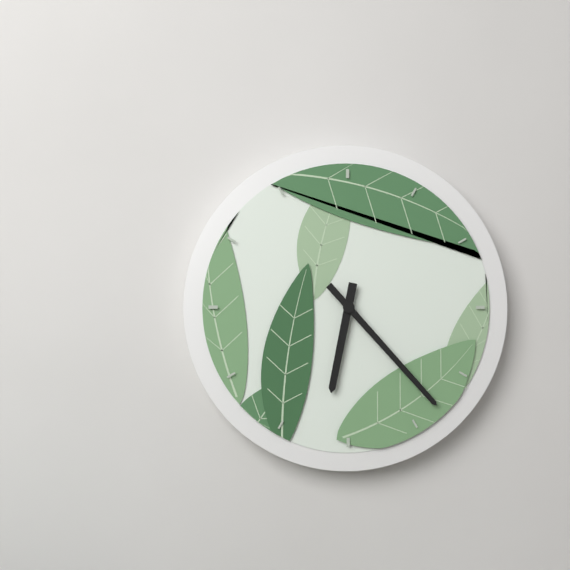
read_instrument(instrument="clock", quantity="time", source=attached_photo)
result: 6:23
